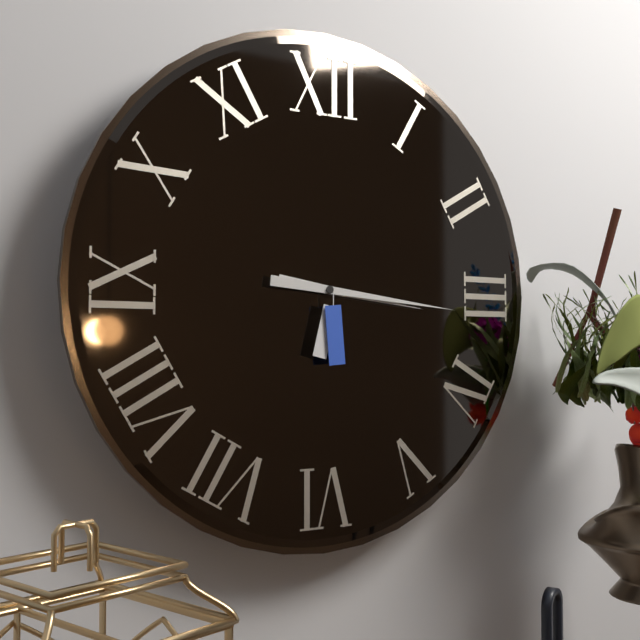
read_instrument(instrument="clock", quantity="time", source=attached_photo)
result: 3:16
